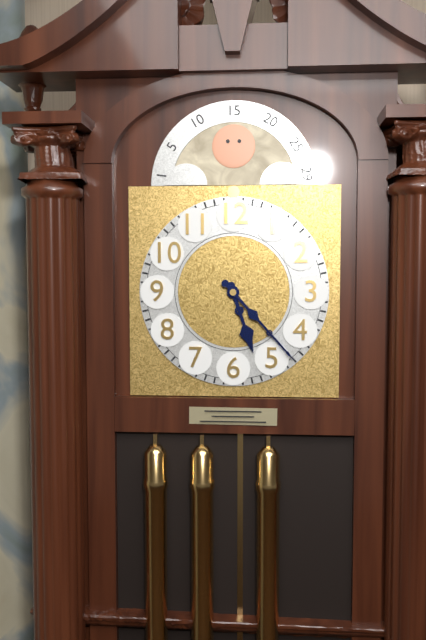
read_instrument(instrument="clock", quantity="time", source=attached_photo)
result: 5:23
